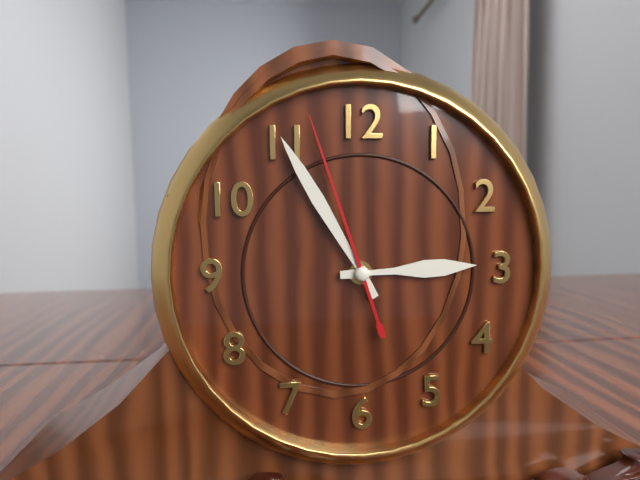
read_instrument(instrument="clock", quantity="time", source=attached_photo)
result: 2:55:57
